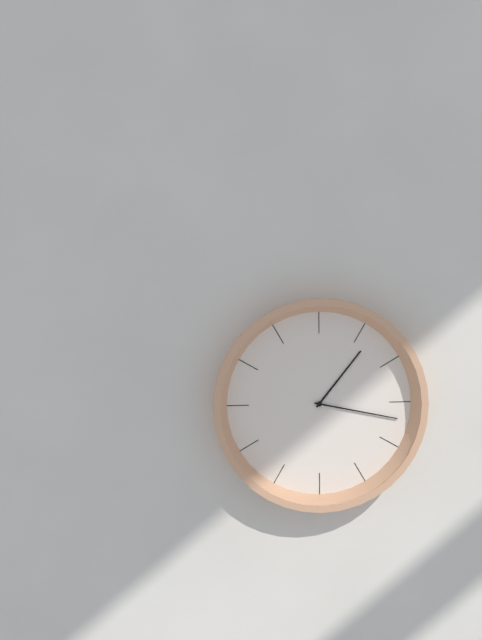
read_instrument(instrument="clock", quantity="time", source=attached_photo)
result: 1:17
